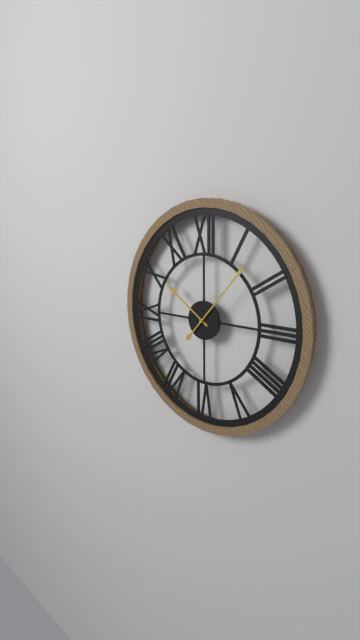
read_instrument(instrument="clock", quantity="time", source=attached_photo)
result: 10:07
